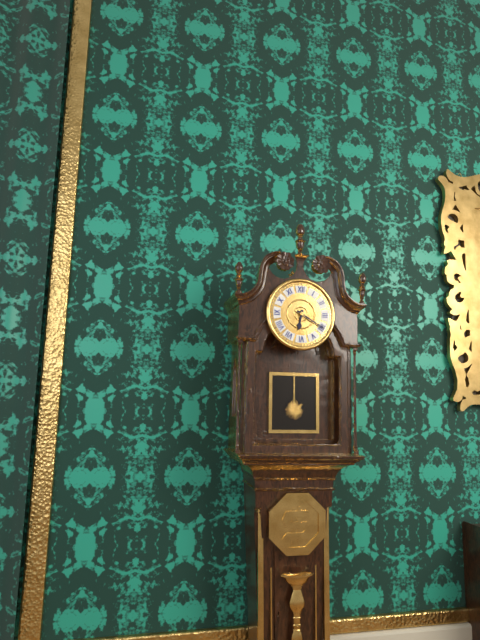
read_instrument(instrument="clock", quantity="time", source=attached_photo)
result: 6:20
